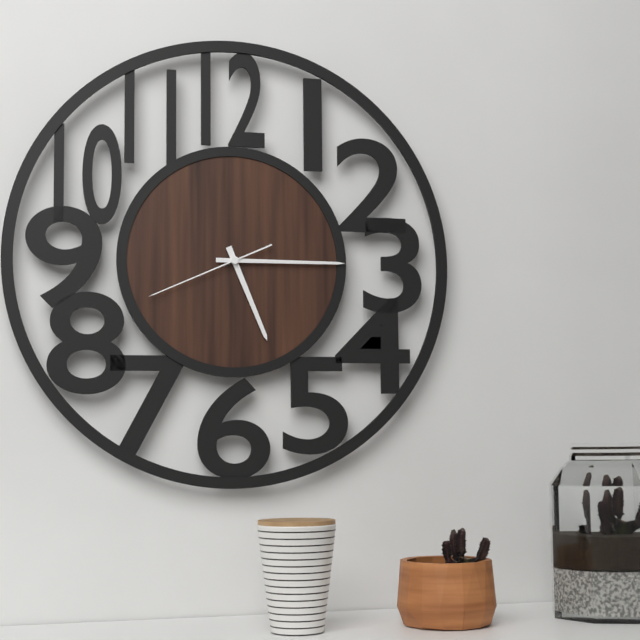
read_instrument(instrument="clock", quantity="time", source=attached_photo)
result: 5:15:41
